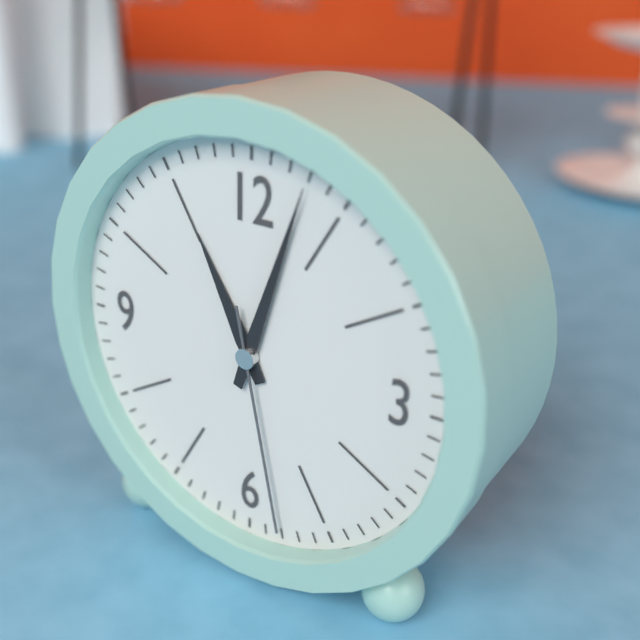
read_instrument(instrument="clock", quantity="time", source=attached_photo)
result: 11:03:28
